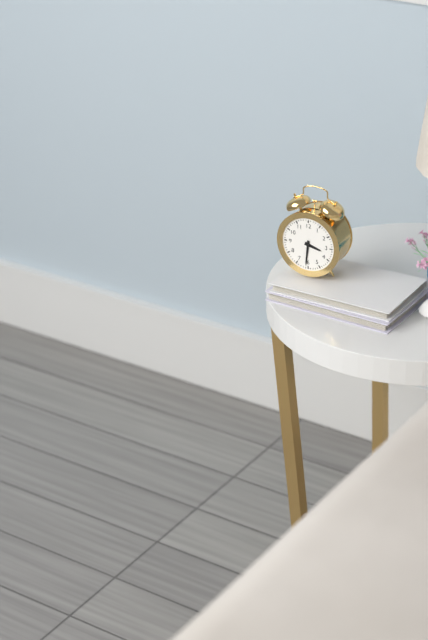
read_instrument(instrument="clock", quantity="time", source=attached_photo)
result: 3:31
